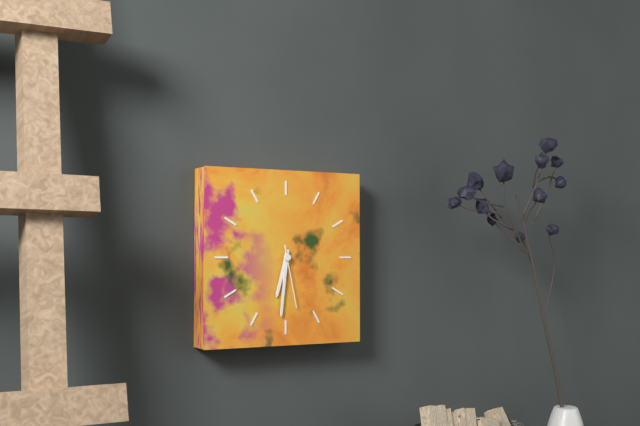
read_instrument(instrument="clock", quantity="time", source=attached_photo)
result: 6:31:28
